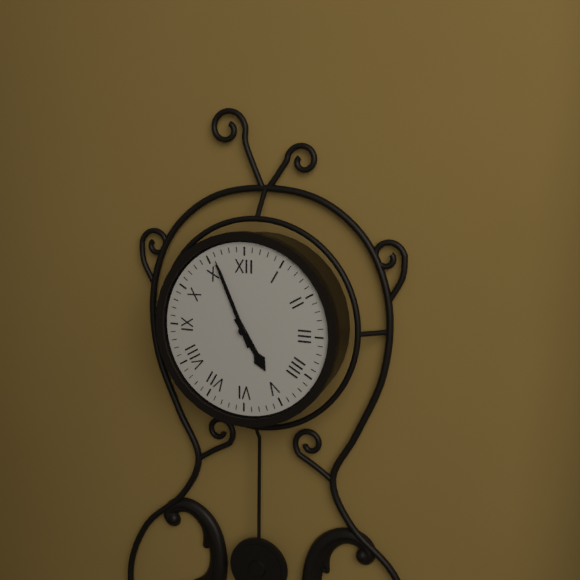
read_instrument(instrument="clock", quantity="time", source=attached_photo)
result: 4:56
